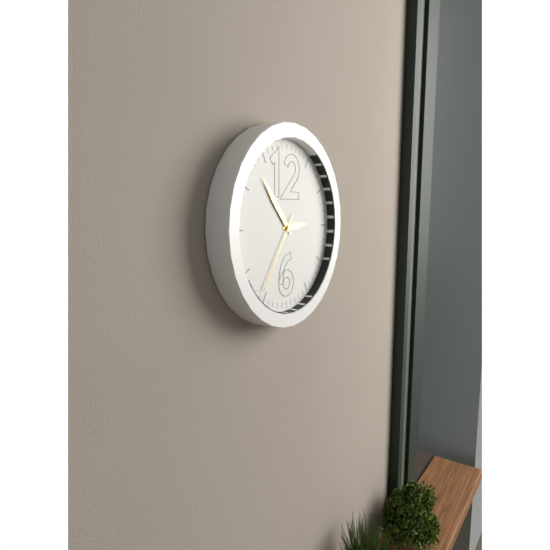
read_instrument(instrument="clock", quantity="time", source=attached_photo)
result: 2:53:36
